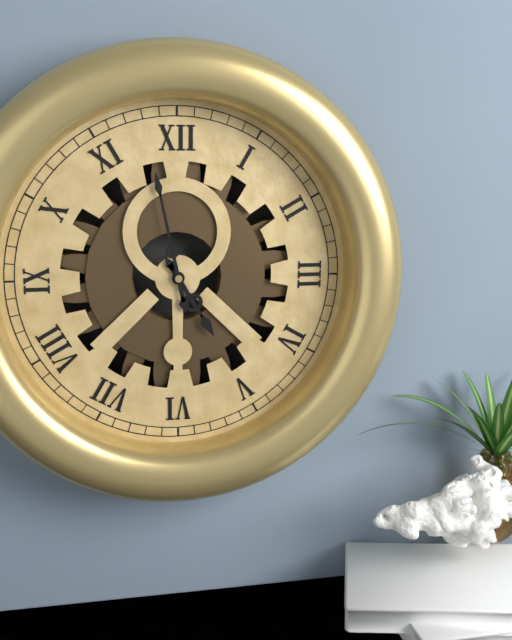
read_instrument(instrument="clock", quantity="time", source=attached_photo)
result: 4:58
